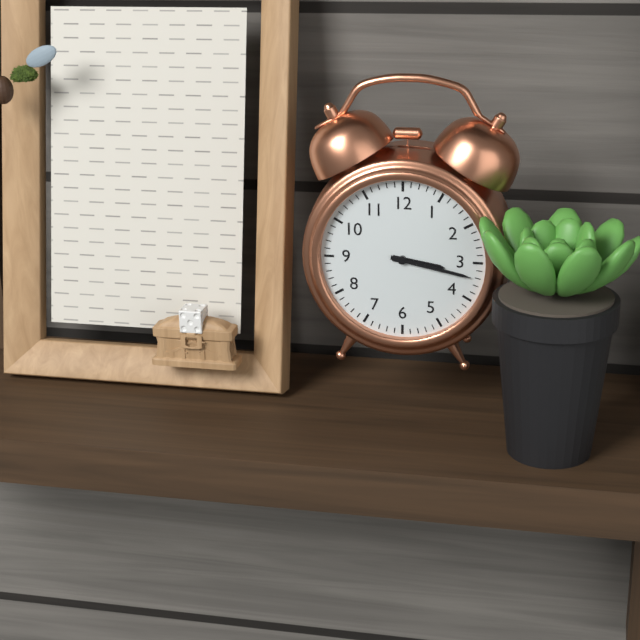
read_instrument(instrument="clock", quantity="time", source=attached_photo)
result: 3:17
